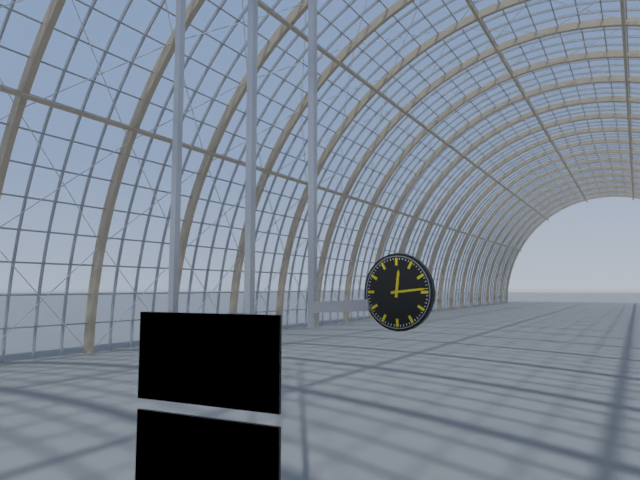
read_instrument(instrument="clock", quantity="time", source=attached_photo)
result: 12:14
